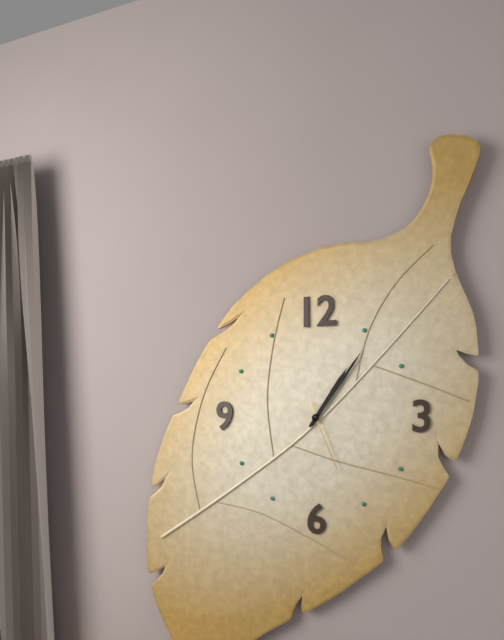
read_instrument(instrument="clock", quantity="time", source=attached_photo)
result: 1:06:26
